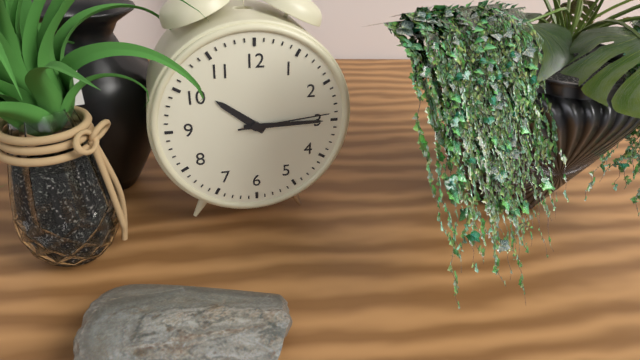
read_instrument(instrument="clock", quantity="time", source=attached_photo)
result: 10:15:14
